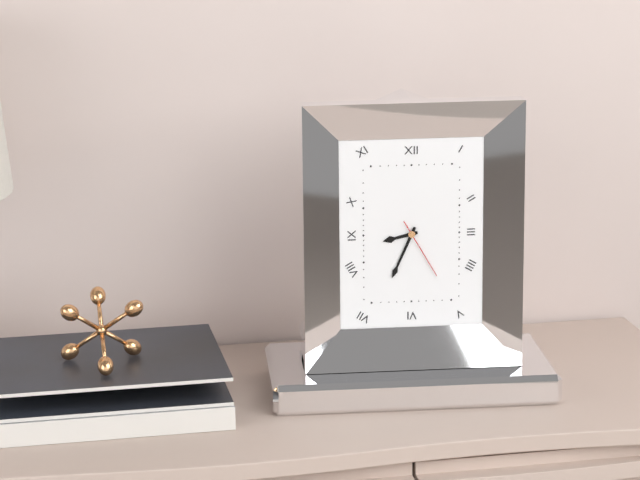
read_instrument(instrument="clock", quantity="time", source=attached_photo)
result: 8:34:25
